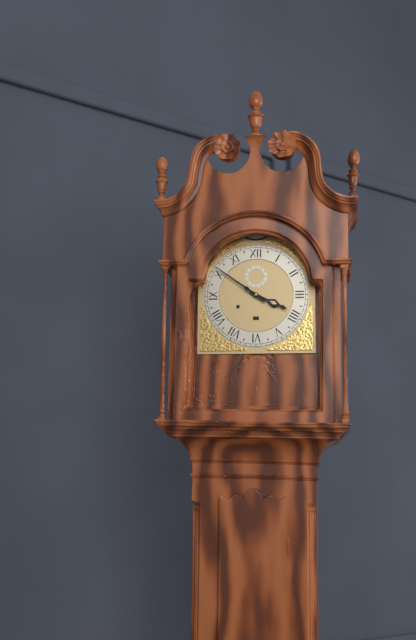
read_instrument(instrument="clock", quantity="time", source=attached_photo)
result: 3:51
